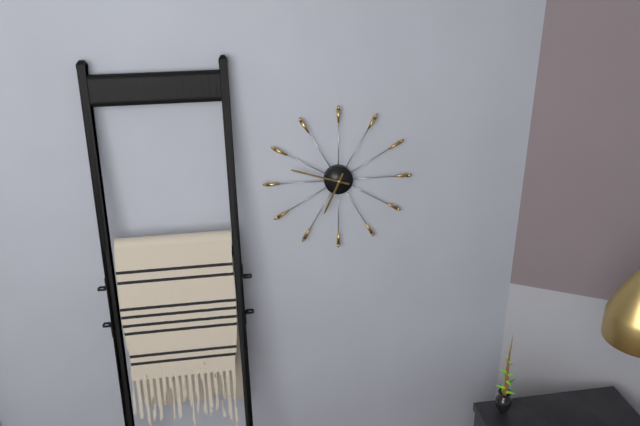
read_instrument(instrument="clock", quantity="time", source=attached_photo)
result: 6:48
